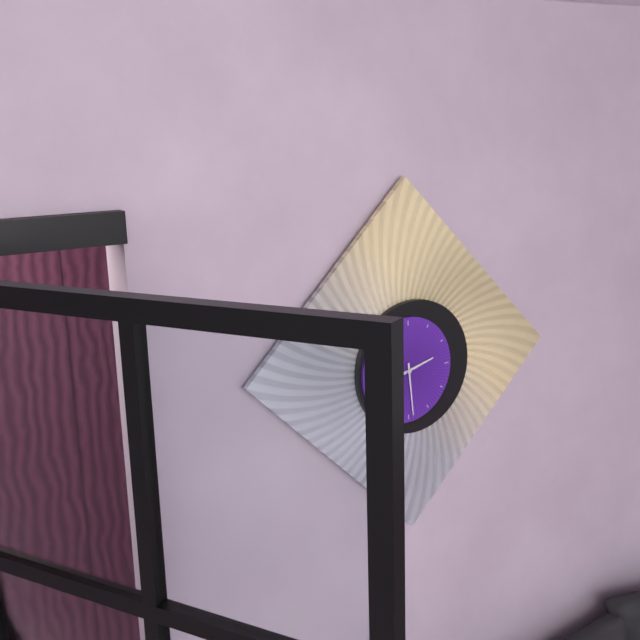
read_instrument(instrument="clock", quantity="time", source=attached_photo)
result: 2:29
